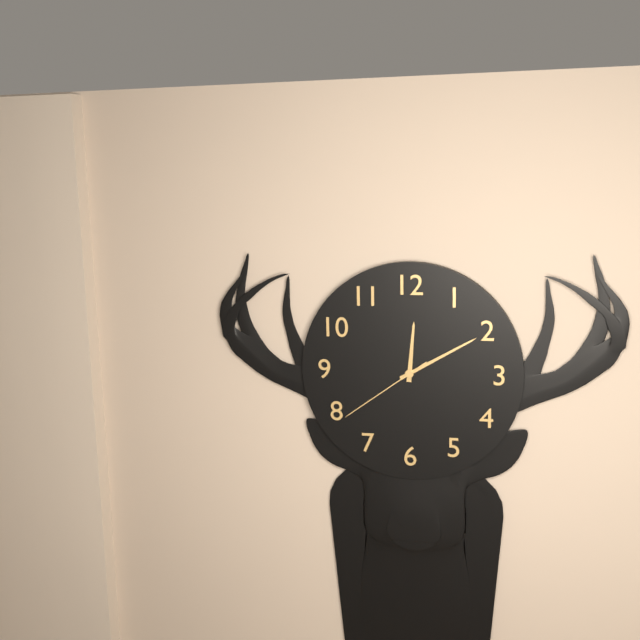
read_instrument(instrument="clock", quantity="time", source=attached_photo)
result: 12:10:39
